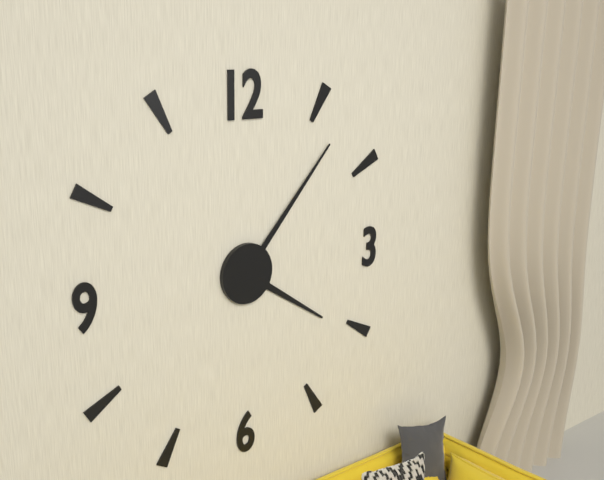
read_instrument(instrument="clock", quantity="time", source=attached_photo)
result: 4:07
